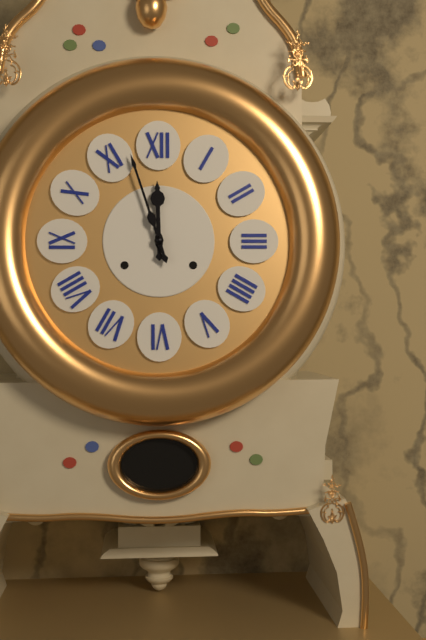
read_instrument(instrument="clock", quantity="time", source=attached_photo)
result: 11:57
